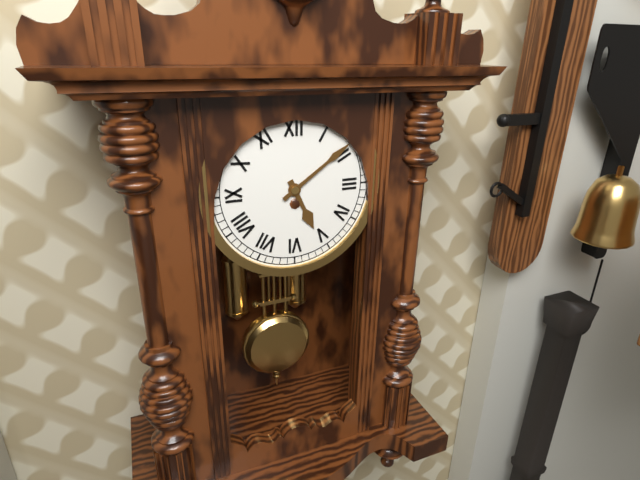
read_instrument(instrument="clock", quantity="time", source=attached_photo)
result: 5:09
